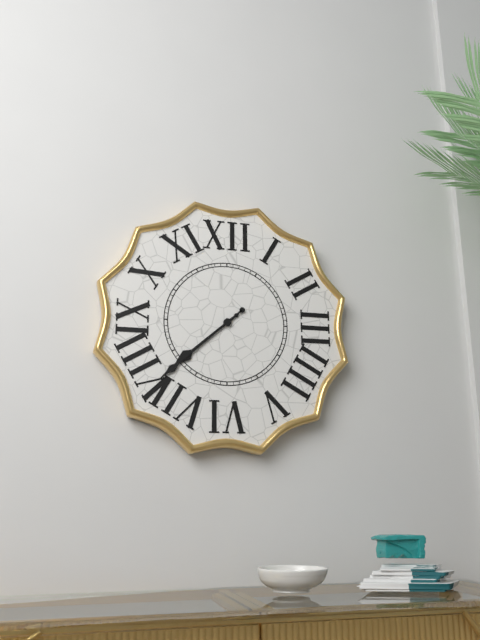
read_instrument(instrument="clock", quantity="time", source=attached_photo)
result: 7:38
